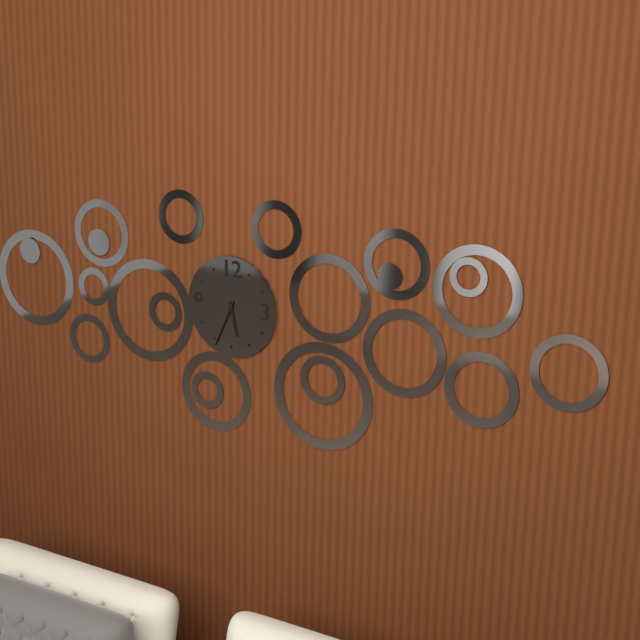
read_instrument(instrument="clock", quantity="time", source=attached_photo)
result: 5:34
